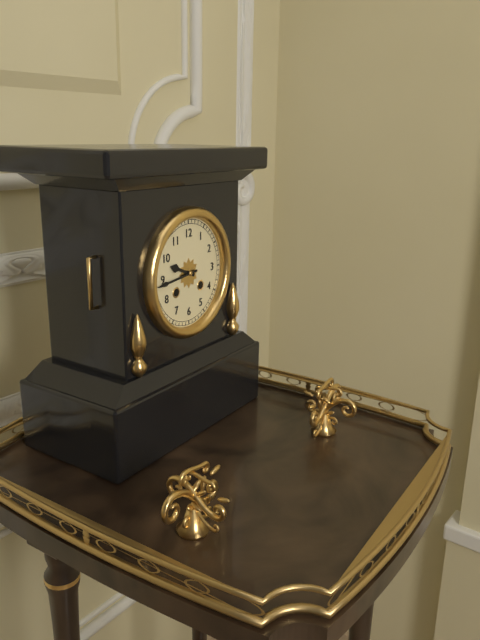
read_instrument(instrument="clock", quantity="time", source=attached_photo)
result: 9:44
